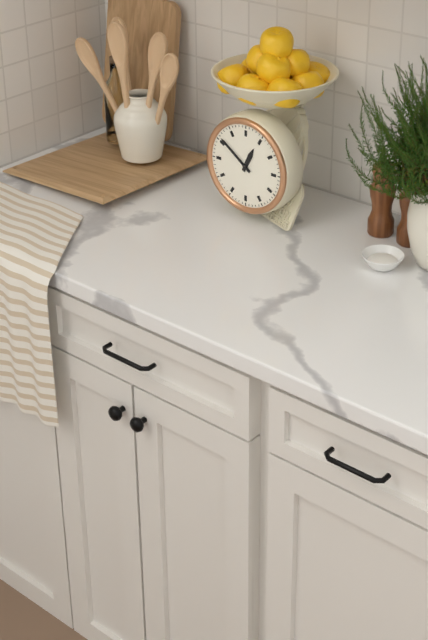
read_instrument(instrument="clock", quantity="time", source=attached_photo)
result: 12:51
